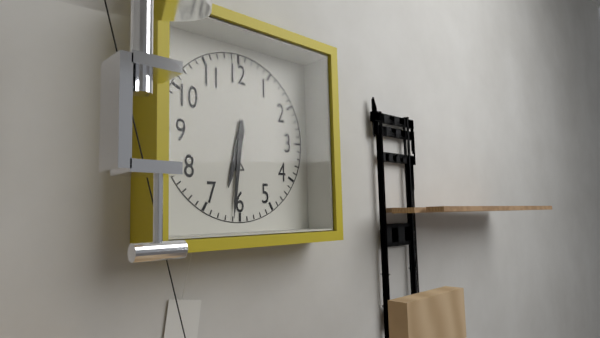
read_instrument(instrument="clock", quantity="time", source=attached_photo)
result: 6:31
